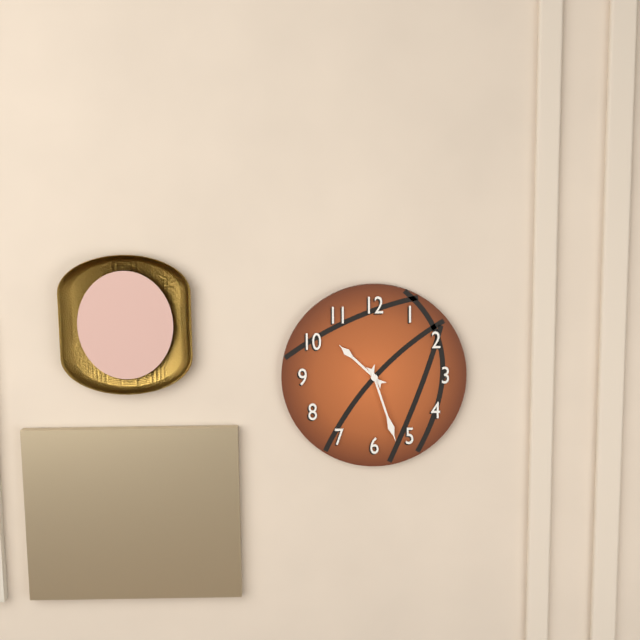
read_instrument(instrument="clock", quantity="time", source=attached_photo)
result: 10:27
